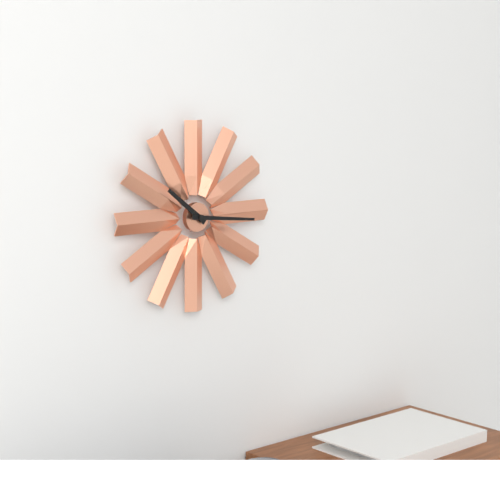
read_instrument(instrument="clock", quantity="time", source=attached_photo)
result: 10:16
